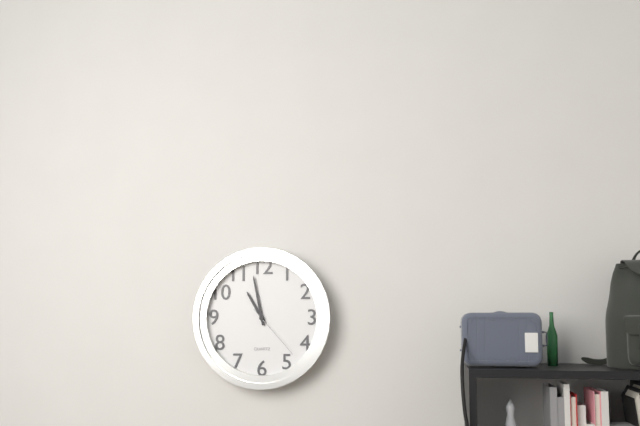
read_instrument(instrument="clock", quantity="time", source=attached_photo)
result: 10:58:23
